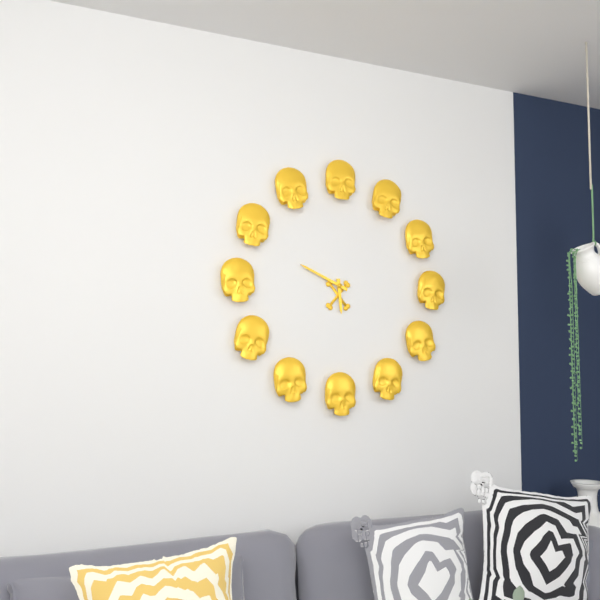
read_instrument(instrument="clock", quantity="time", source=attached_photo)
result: 5:49
